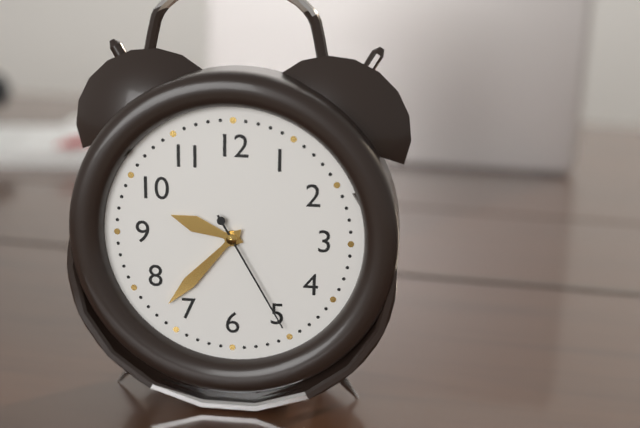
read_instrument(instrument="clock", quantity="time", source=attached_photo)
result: 9:37:25
